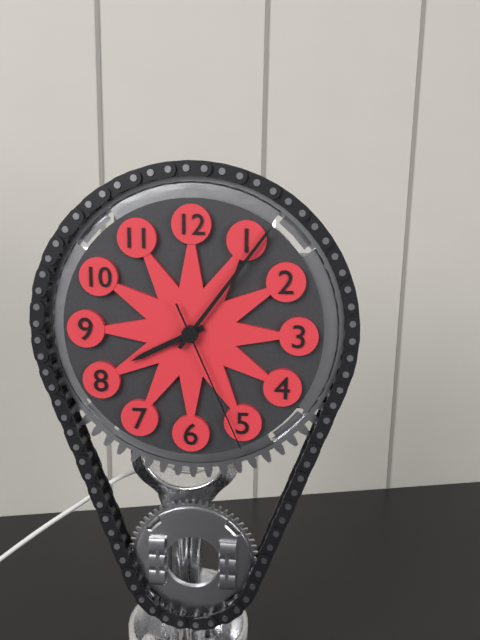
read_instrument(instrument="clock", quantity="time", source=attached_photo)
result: 8:06:26
